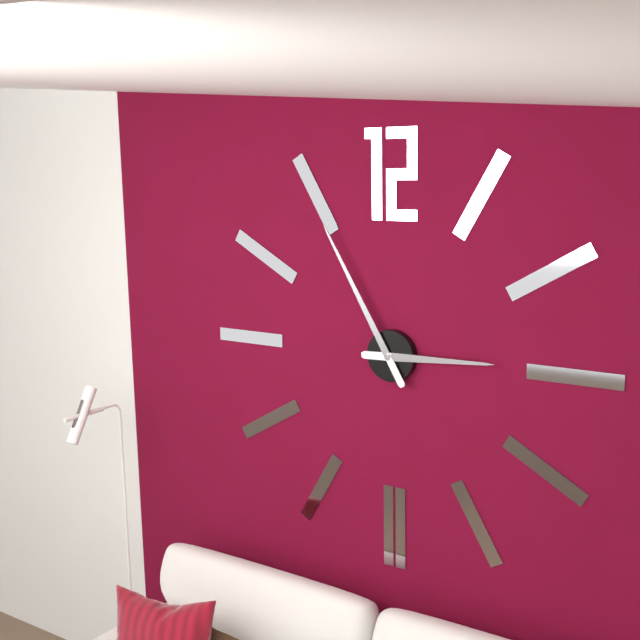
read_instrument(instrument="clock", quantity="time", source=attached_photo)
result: 2:55
